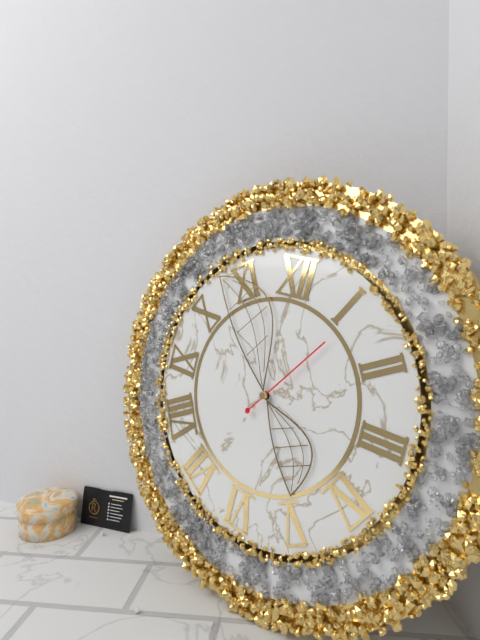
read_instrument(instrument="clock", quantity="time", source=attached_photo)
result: 4:53:06
